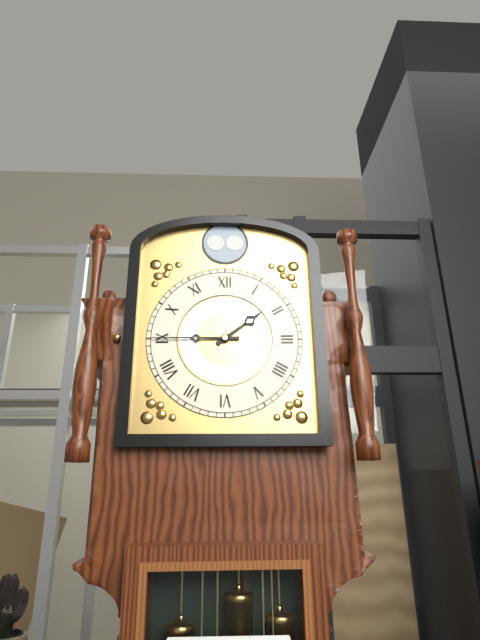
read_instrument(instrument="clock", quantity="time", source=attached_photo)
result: 1:45
